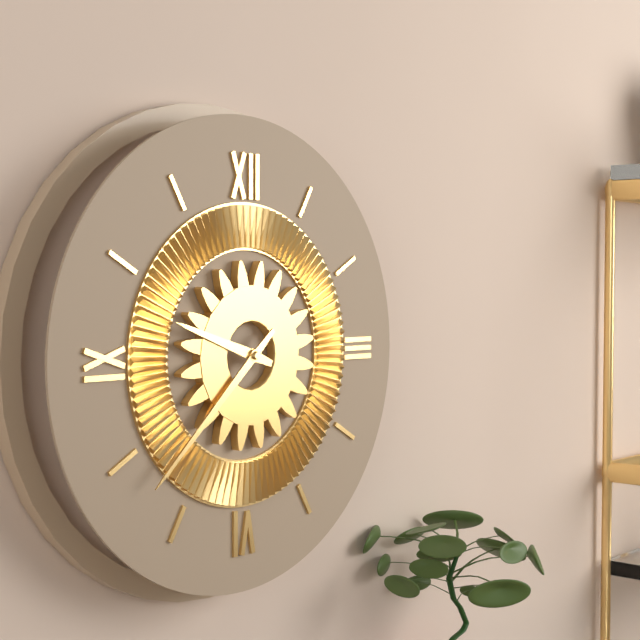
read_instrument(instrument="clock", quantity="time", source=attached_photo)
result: 9:38
